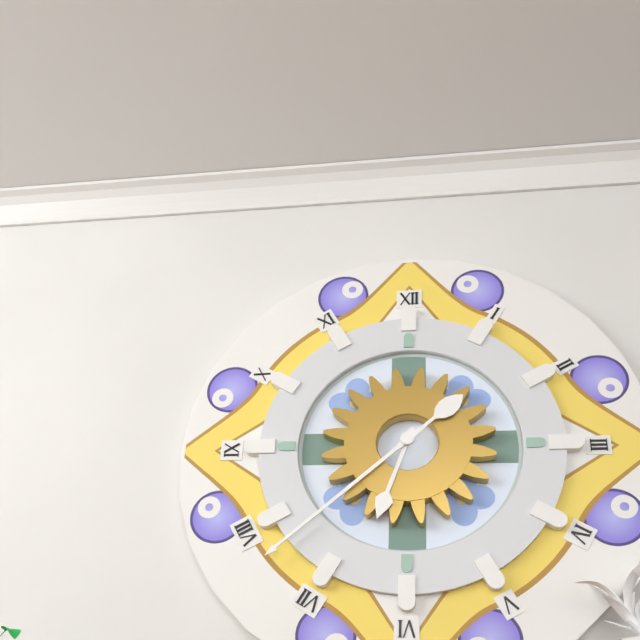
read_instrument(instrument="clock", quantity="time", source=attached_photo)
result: 6:38
